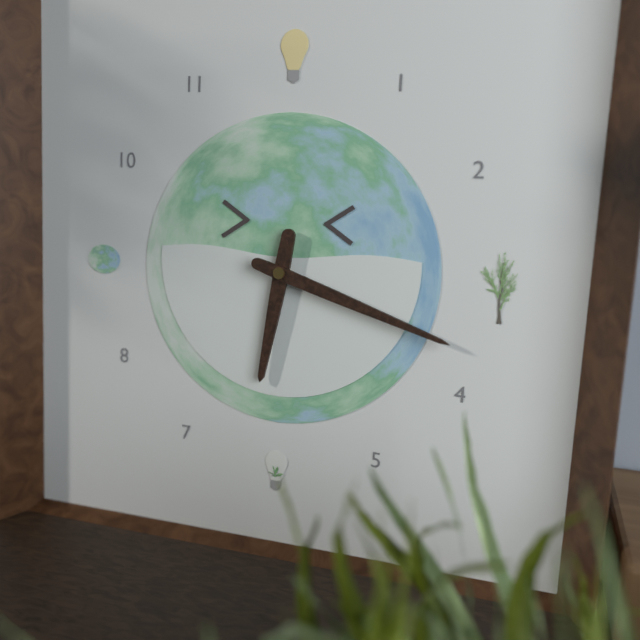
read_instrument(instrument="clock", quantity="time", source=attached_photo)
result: 6:18
